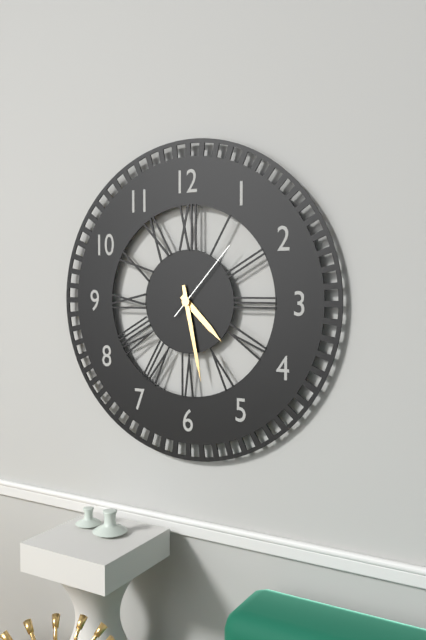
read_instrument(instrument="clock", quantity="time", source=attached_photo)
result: 4:28:07
